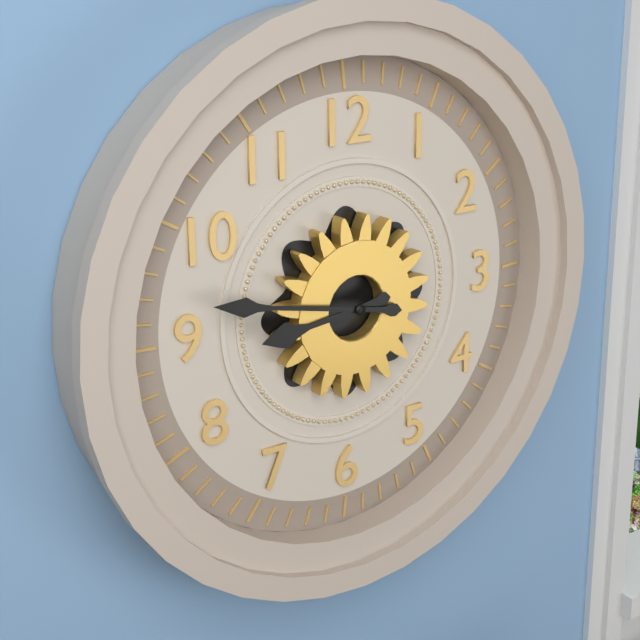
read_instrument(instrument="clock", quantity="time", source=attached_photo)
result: 8:47
